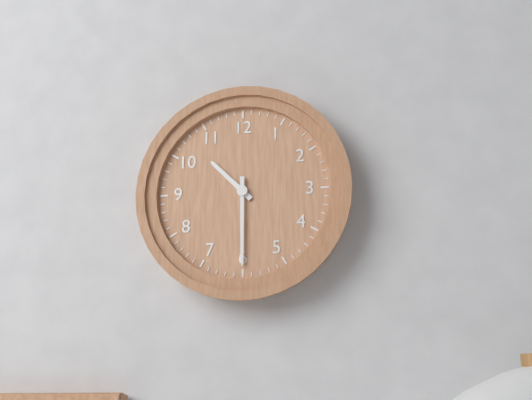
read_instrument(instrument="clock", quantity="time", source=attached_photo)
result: 10:30
